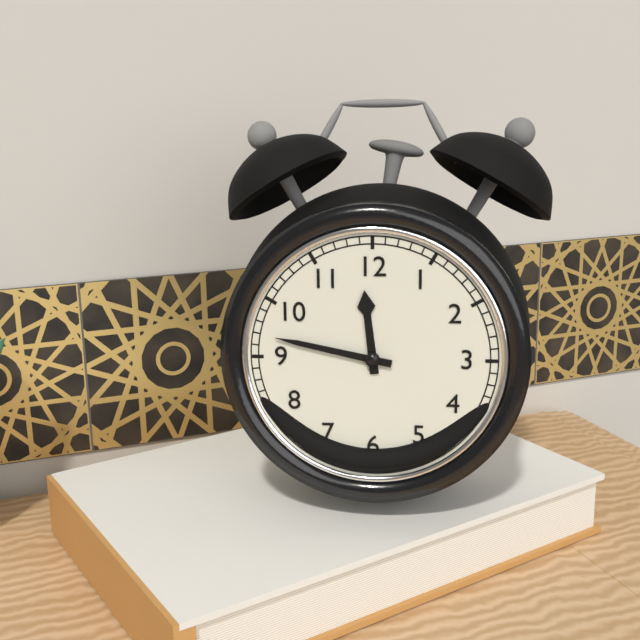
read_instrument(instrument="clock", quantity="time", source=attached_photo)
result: 11:47
